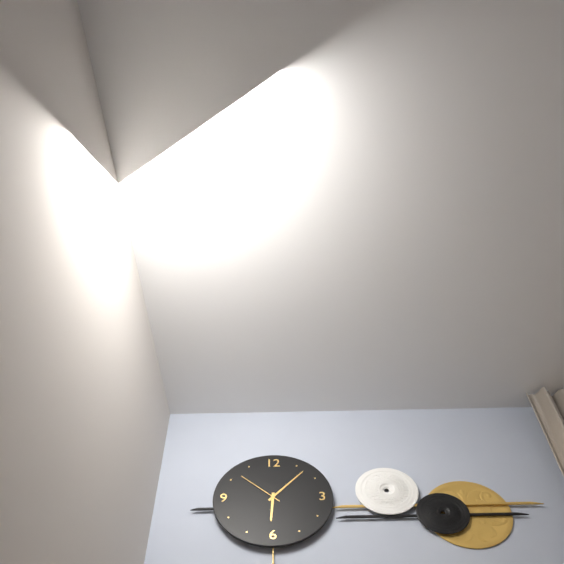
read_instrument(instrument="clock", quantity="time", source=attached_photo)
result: 6:07
